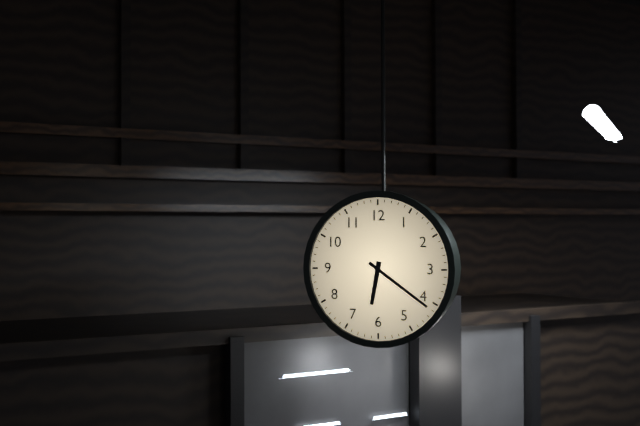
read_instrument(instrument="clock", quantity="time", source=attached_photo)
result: 6:21
